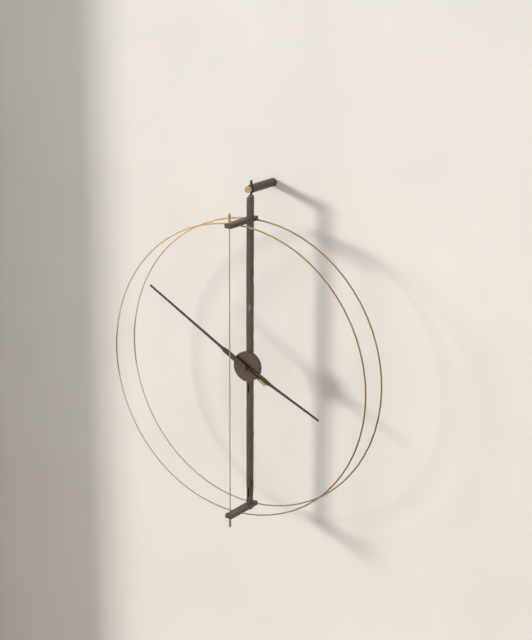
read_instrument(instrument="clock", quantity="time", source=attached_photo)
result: 3:50
